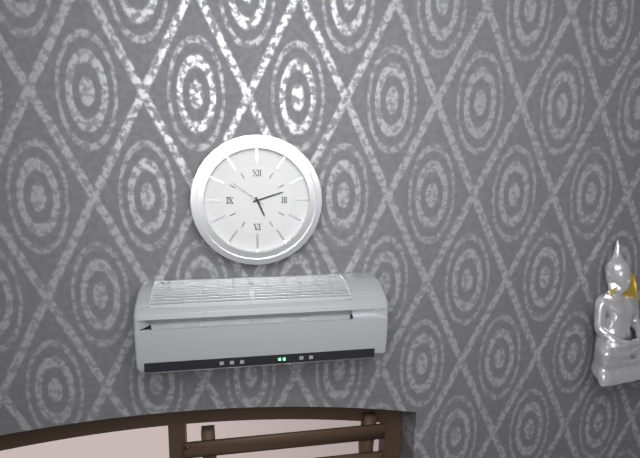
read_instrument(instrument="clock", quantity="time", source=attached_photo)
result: 5:12
